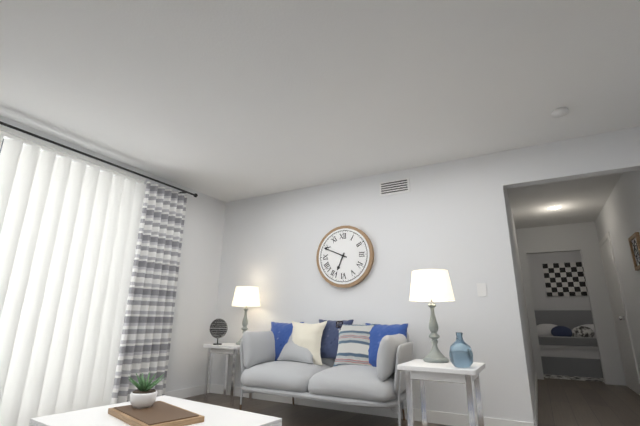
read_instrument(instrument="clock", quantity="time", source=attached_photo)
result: 6:49
